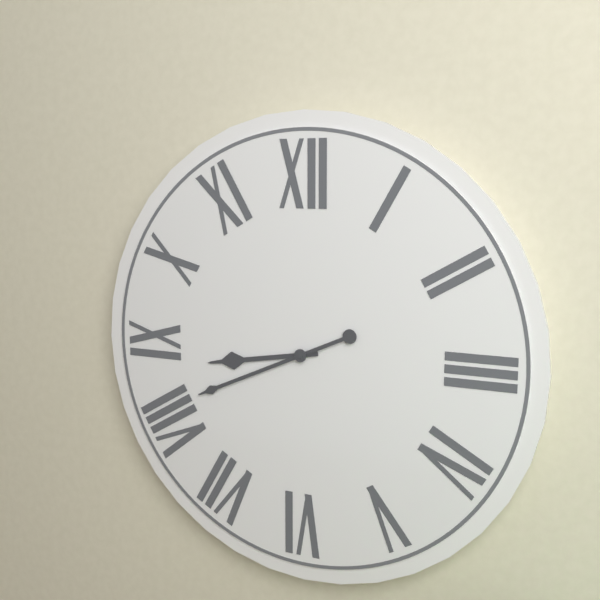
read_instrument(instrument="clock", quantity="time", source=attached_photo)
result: 8:41
